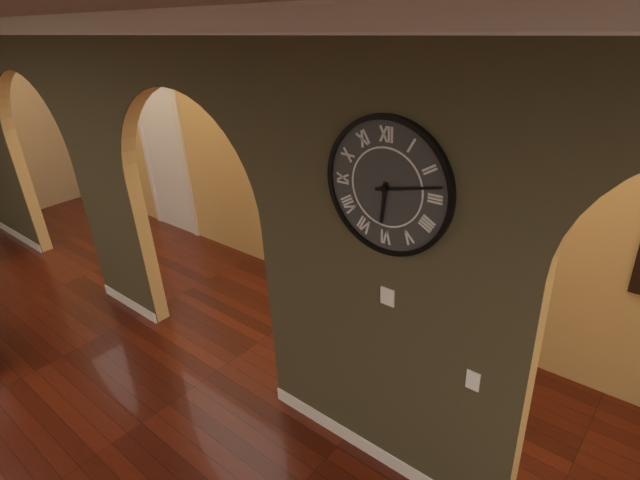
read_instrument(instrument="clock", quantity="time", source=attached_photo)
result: 6:13
